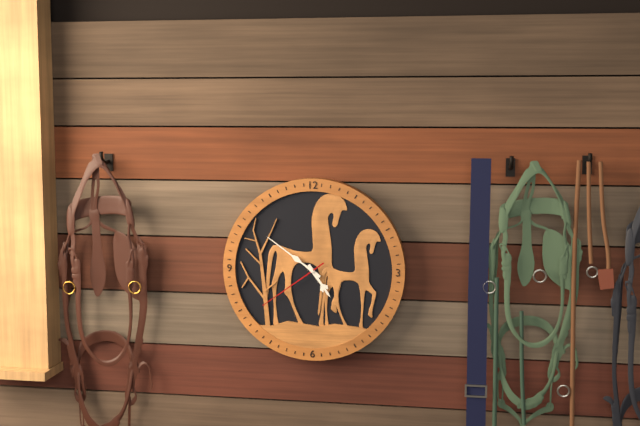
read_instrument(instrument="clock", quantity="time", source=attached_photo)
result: 4:51:39
